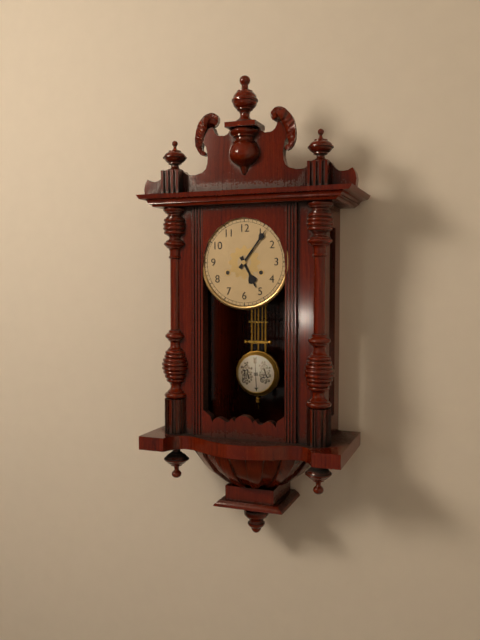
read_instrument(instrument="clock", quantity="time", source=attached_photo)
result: 5:06
